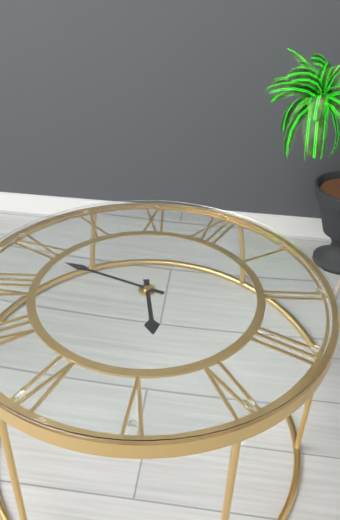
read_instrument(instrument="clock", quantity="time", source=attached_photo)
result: 4:44
